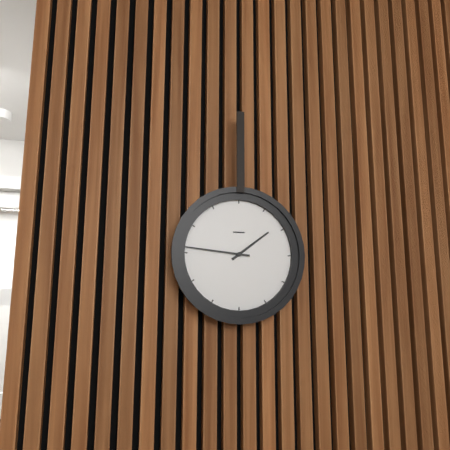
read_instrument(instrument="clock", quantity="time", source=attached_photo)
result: 1:46
